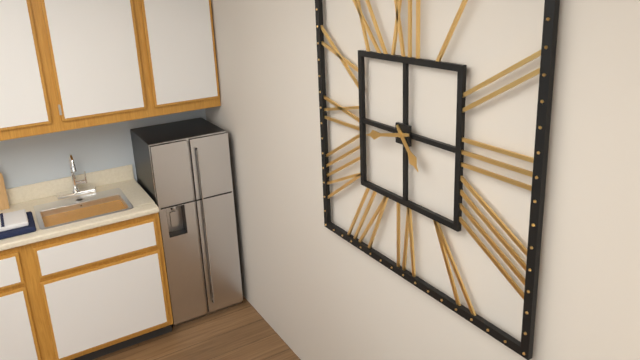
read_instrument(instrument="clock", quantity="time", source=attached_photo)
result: 4:43
